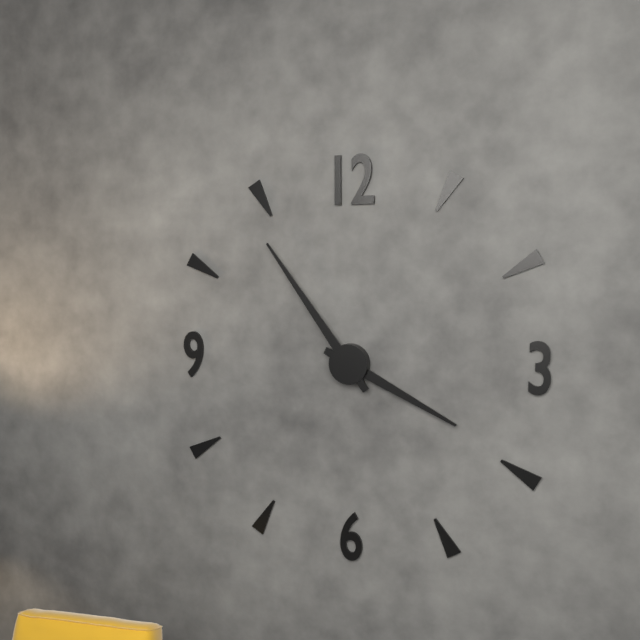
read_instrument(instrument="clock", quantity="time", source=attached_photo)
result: 3:54
